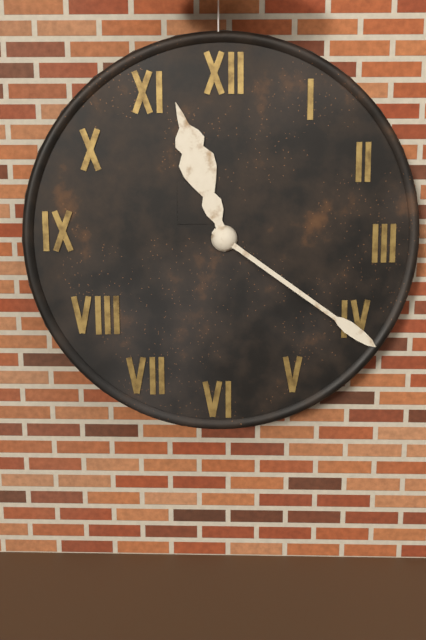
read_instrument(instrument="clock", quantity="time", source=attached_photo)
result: 11:21
